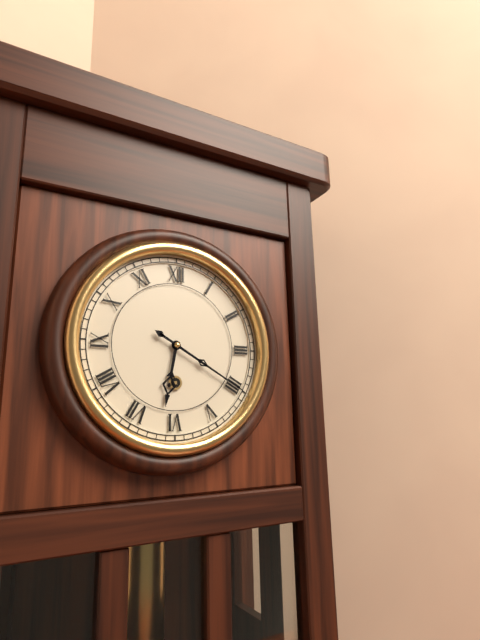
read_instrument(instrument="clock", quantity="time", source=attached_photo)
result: 6:20
